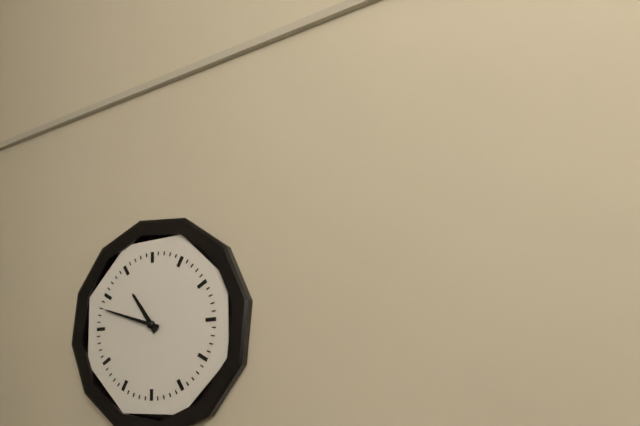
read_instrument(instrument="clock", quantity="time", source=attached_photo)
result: 10:48
